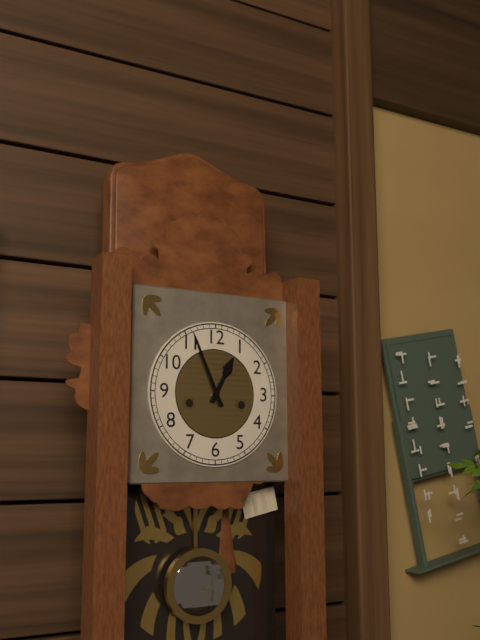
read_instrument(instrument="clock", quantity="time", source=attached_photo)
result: 12:56
